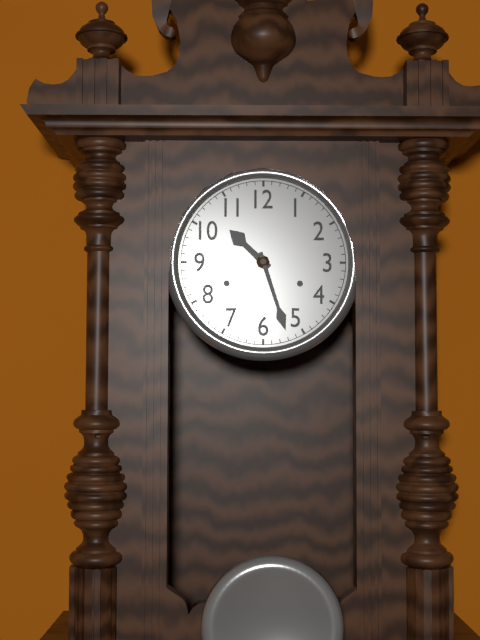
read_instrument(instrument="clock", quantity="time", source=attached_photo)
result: 10:27
